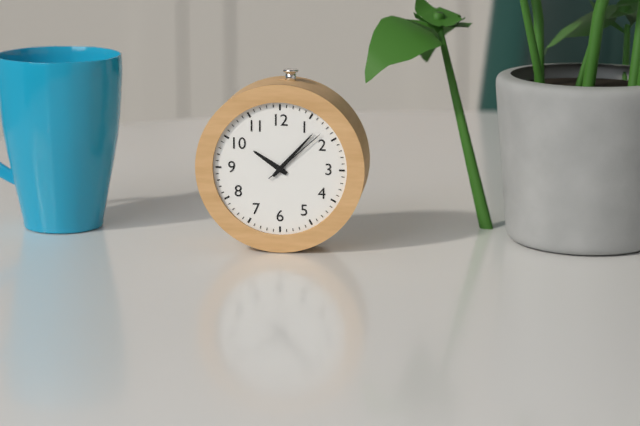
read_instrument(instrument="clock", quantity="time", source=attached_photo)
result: 10:07:08
